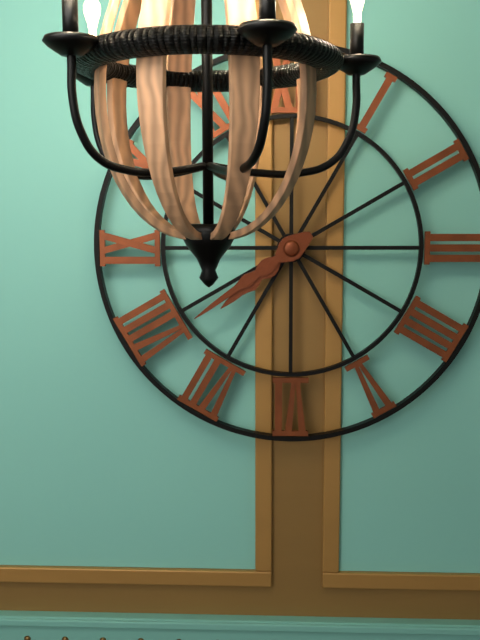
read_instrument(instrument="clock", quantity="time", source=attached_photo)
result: 7:39
